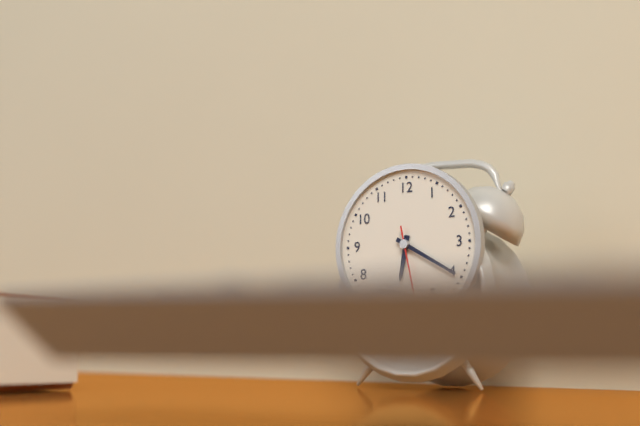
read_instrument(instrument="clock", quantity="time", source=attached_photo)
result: 6:20
